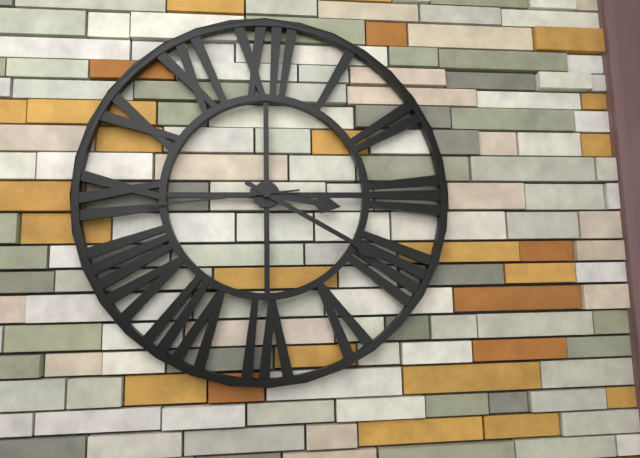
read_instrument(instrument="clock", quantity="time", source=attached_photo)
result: 3:20:44
